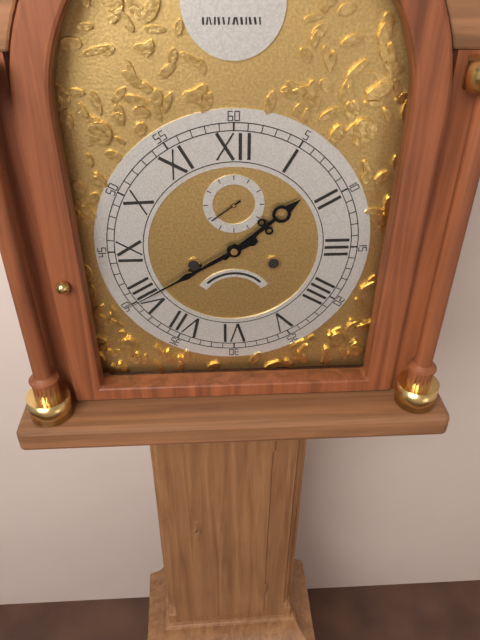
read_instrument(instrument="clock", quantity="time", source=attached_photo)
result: 1:40
